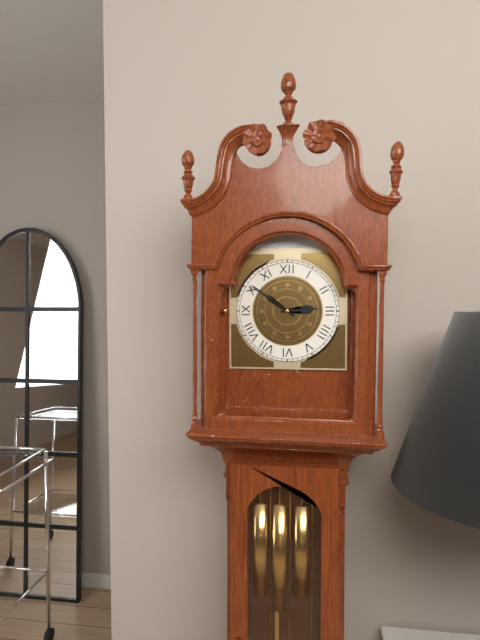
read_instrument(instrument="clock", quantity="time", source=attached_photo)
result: 2:51
